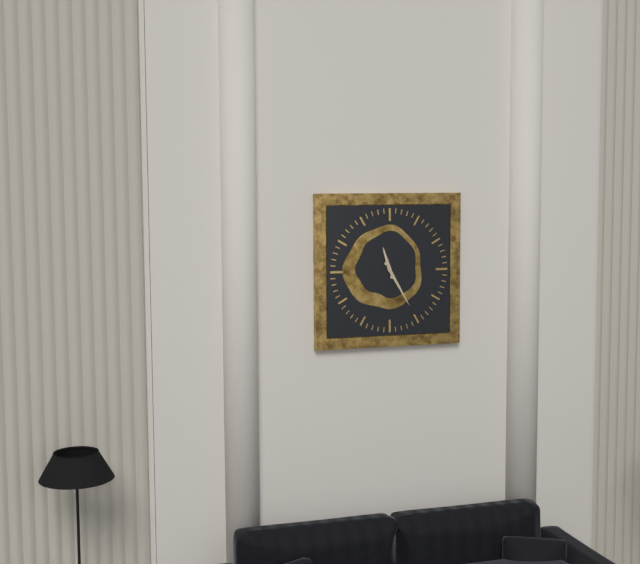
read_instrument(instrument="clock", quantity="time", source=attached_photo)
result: 11:25
